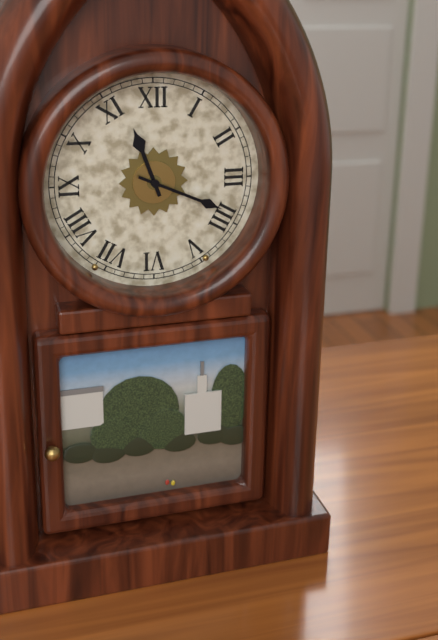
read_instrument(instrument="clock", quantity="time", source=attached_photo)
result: 11:19
